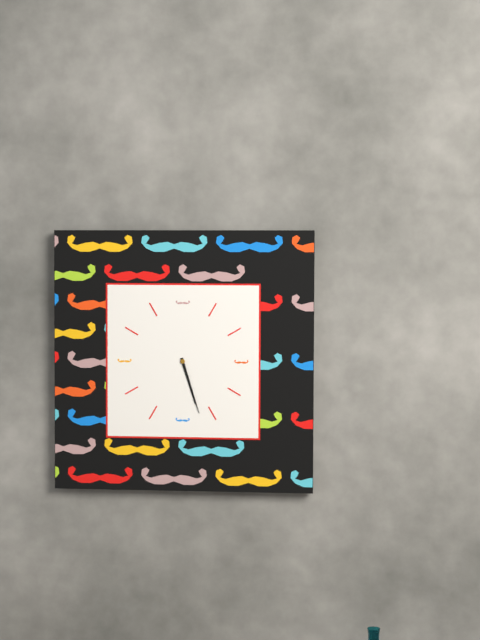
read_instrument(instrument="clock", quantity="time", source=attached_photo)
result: 5:27
